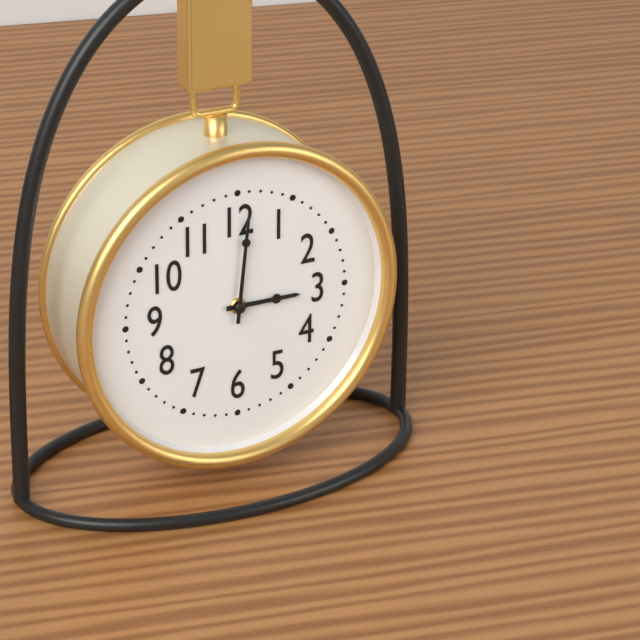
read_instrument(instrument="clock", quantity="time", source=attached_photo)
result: 3:01
